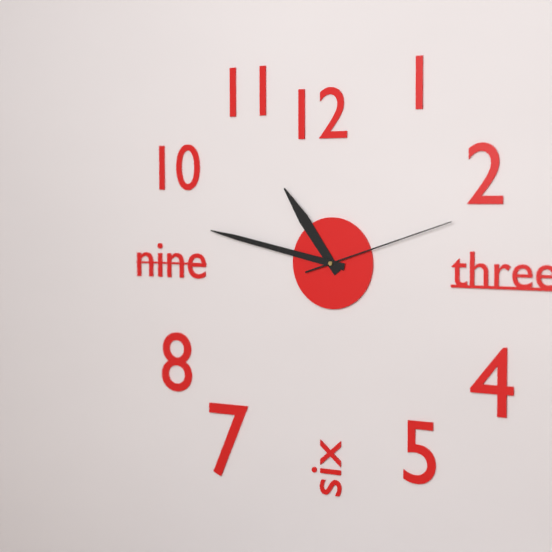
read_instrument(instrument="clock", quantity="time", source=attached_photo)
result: 10:47:12
